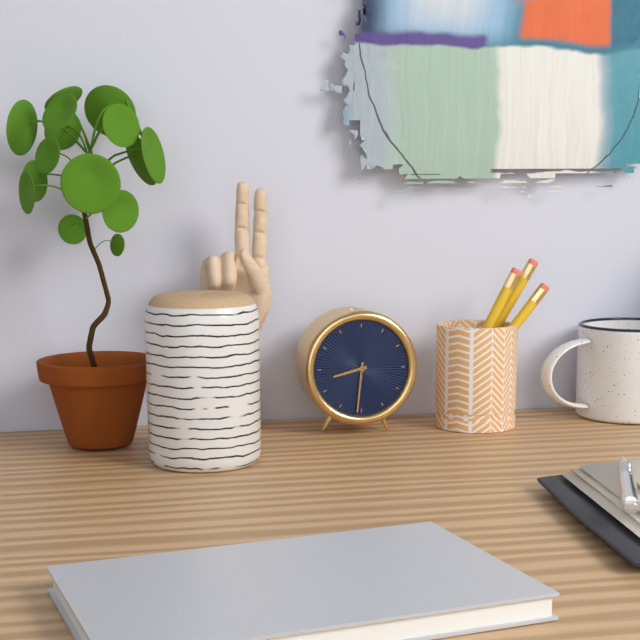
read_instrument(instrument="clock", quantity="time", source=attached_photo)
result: 8:31
